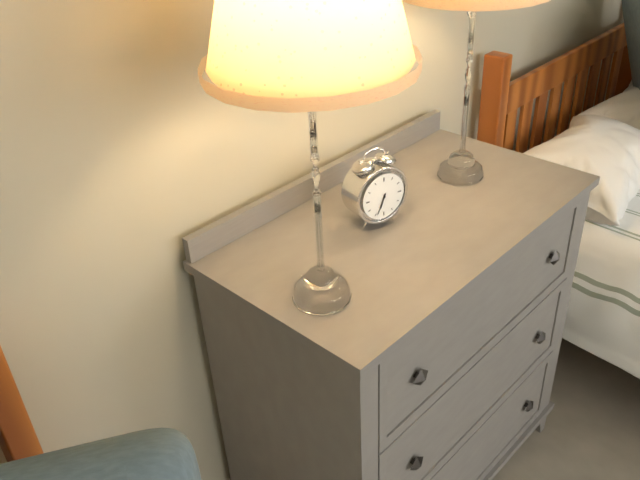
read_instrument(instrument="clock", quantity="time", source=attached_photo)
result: 6:34
